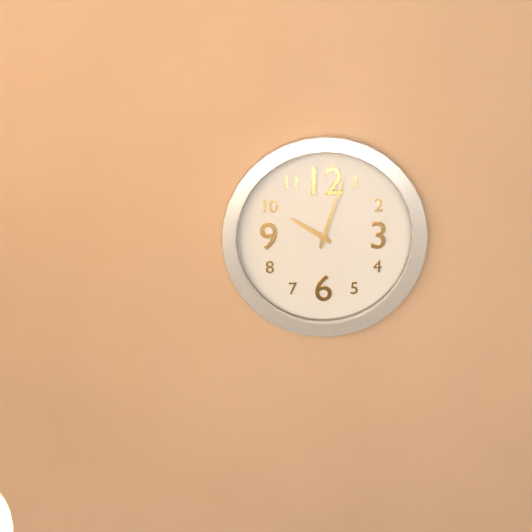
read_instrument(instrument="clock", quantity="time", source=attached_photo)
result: 10:03
